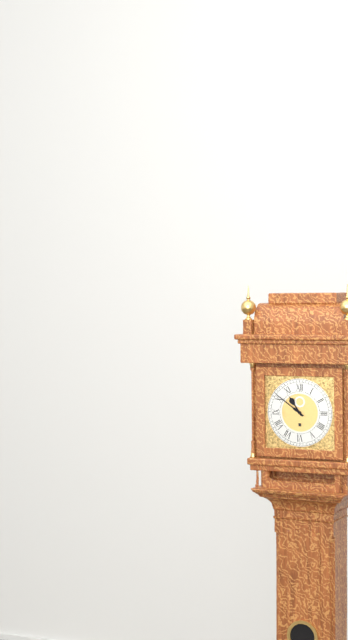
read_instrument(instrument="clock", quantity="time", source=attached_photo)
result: 10:51
